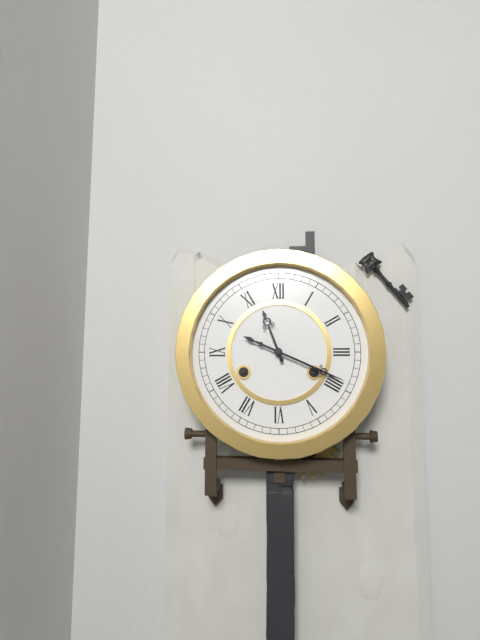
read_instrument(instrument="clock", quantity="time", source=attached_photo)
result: 11:19
